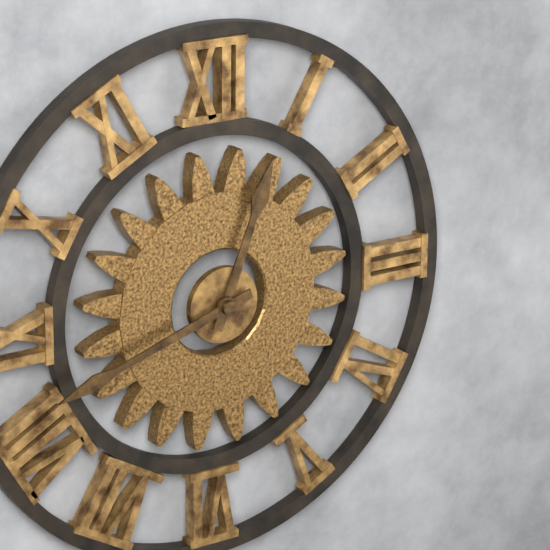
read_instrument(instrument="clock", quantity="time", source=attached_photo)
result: 12:42
